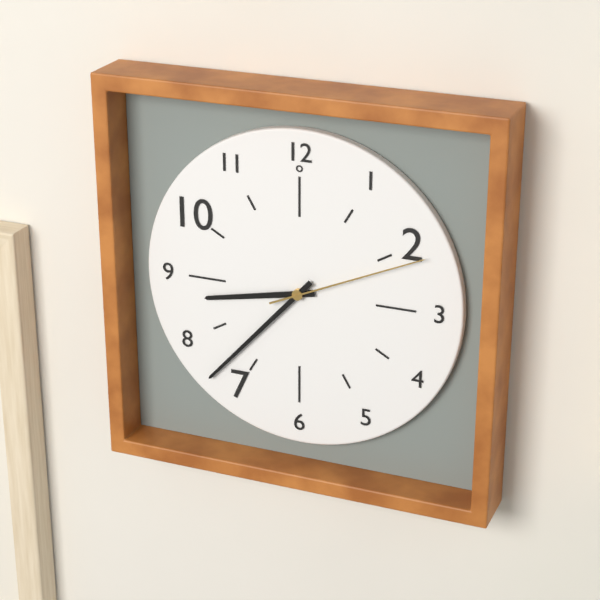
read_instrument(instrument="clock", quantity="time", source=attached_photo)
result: 8:37:11
